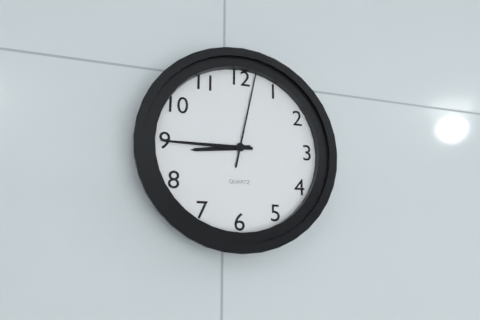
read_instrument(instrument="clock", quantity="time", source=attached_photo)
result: 8:45:02
